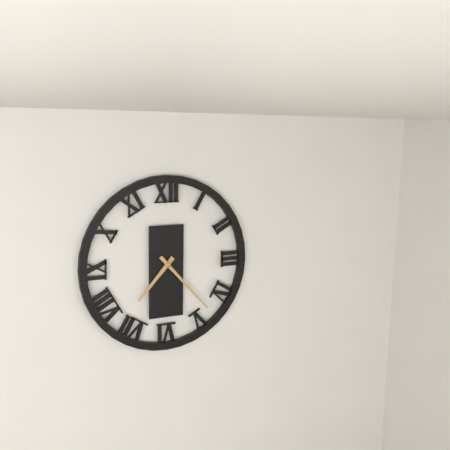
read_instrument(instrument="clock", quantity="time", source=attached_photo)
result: 7:23
